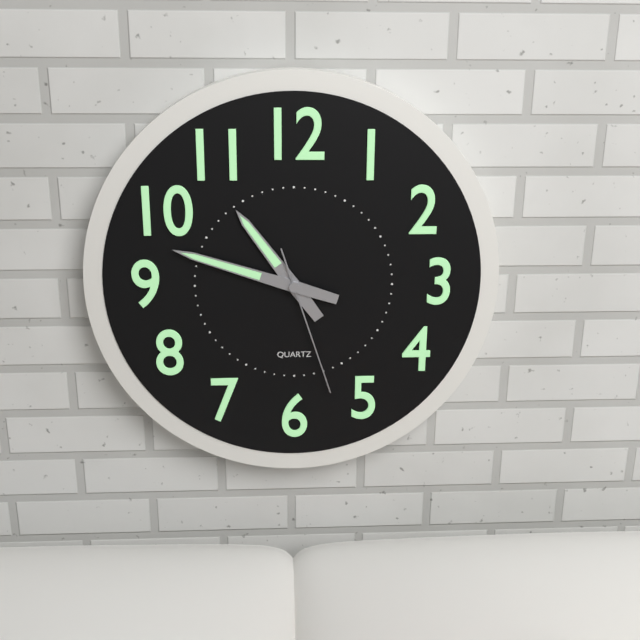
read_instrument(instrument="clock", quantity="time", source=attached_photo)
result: 10:48:27
